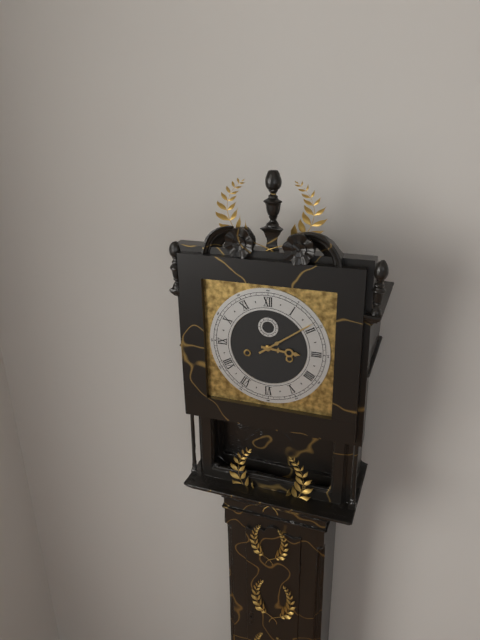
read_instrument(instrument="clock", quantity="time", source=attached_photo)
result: 3:09
